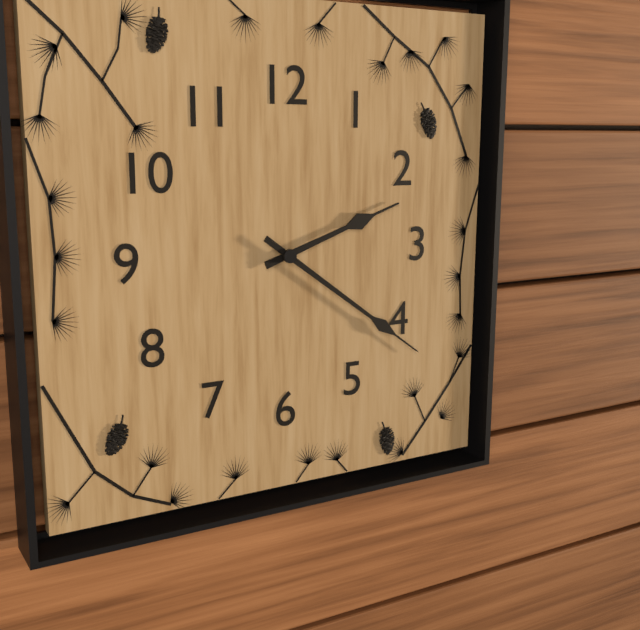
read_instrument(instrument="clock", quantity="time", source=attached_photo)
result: 2:21
